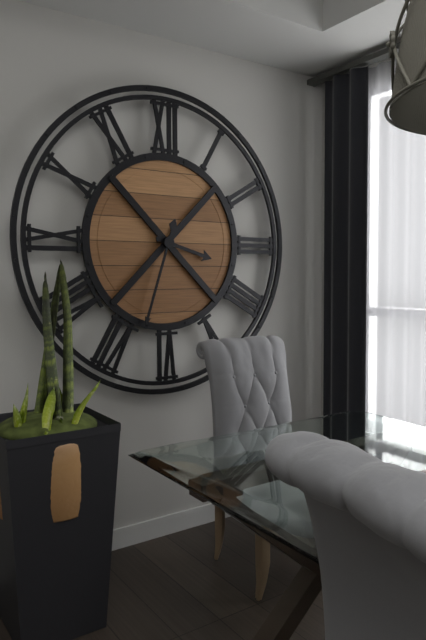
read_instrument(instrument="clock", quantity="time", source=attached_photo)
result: 3:33
